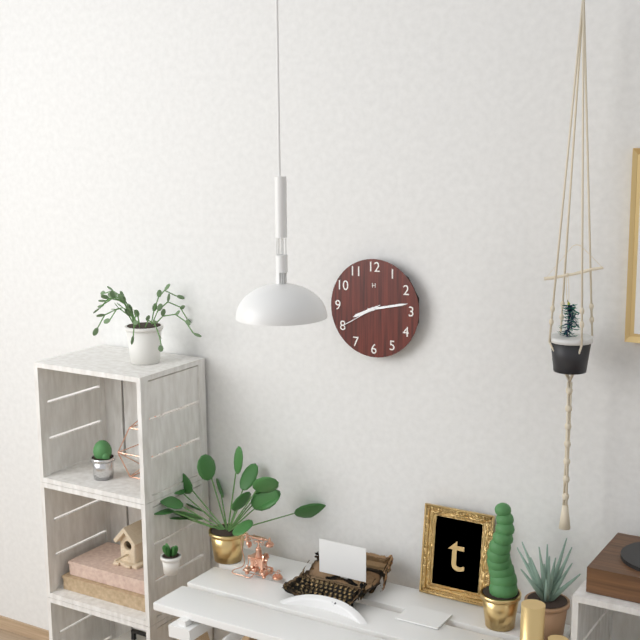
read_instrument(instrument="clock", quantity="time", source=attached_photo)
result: 8:13
